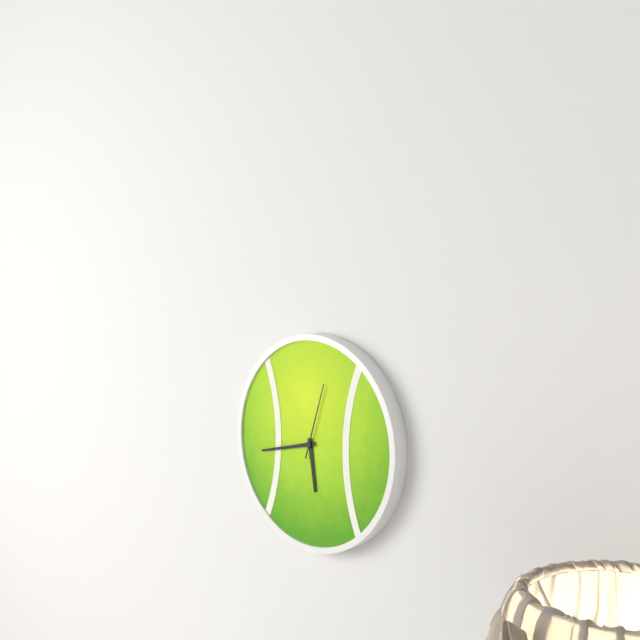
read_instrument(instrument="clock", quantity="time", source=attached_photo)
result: 5:43:03
